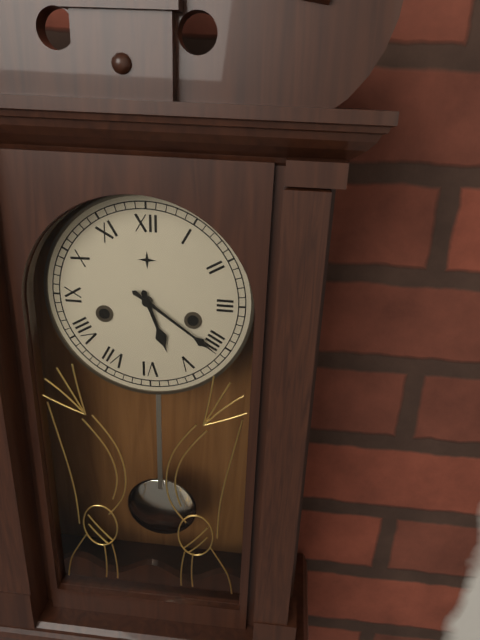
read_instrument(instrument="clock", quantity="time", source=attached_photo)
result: 5:21
